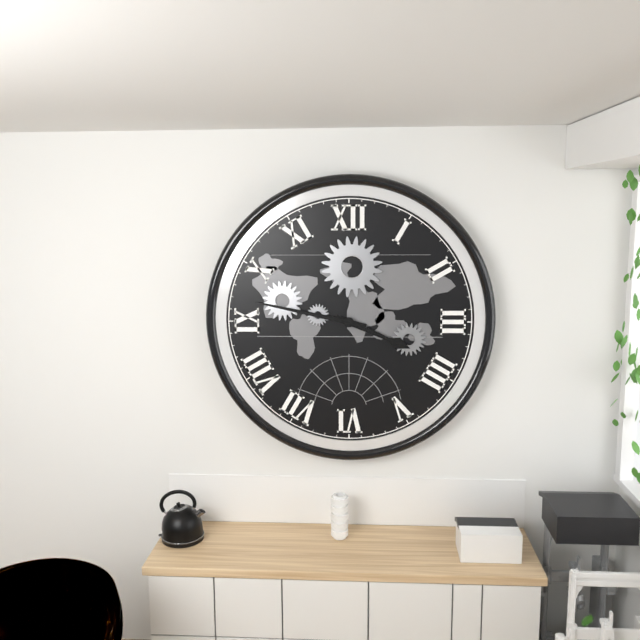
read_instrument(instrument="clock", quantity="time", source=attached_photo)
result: 3:47
